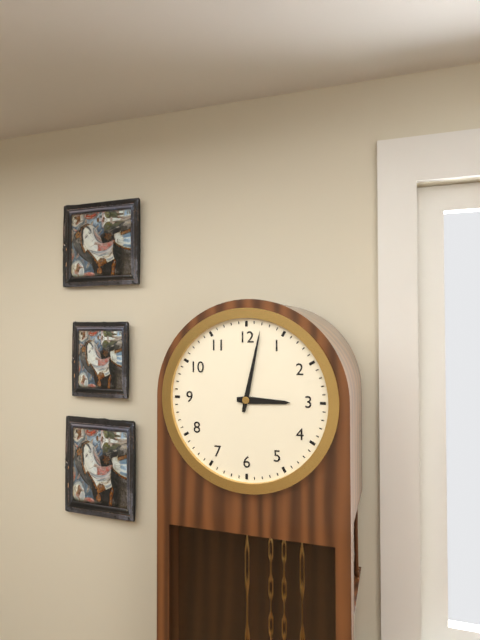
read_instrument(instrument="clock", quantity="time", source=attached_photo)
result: 3:02
